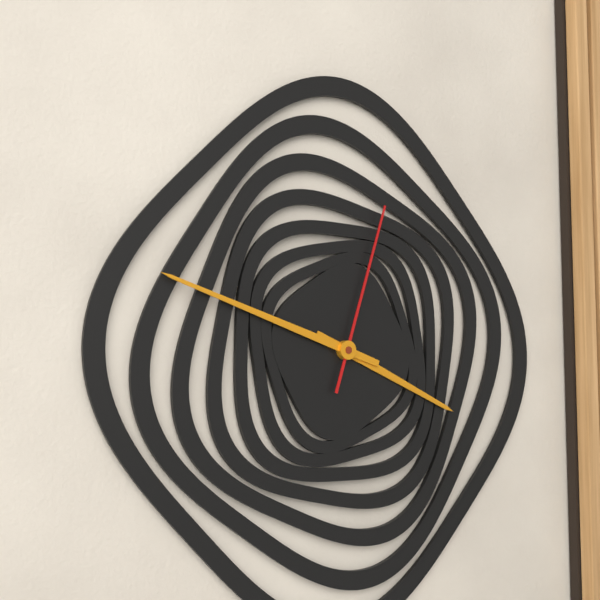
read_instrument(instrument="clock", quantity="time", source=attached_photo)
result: 3:48:03
